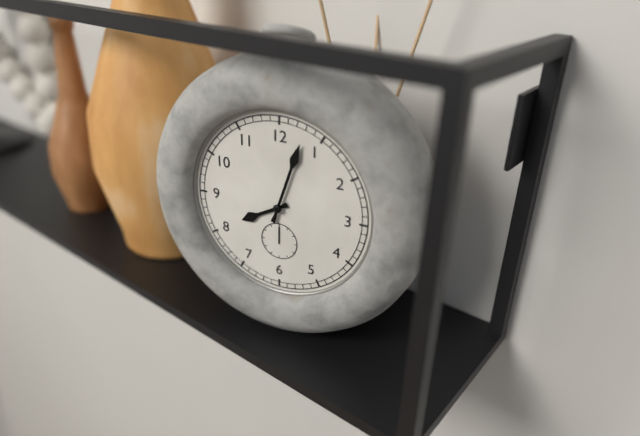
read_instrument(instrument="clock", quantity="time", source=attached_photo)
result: 8:03
